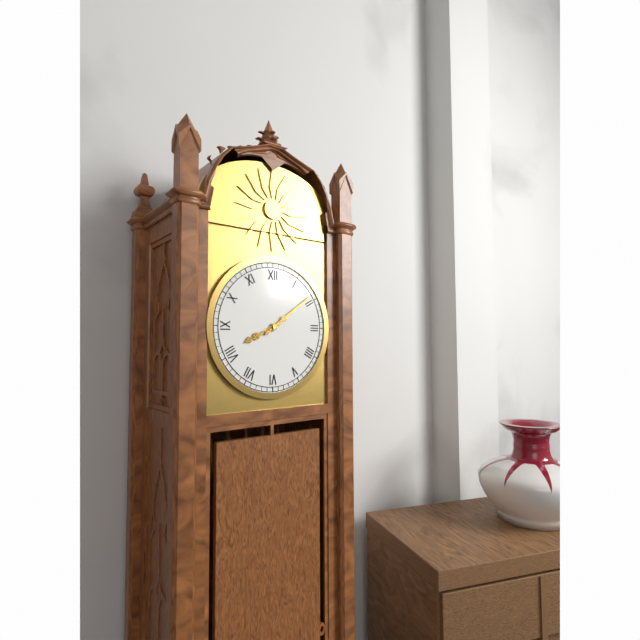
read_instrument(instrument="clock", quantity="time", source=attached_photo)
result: 8:09
